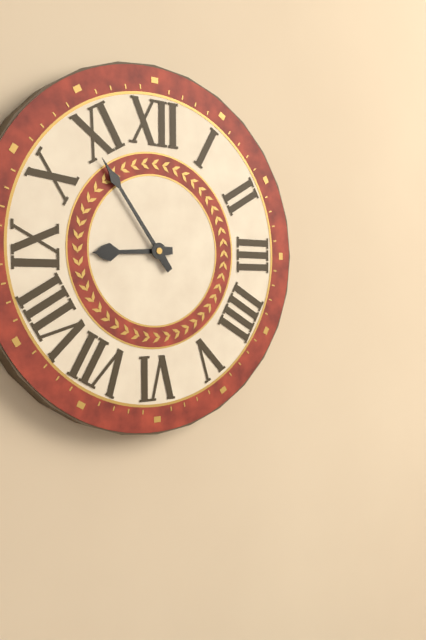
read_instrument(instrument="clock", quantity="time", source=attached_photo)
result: 8:54
